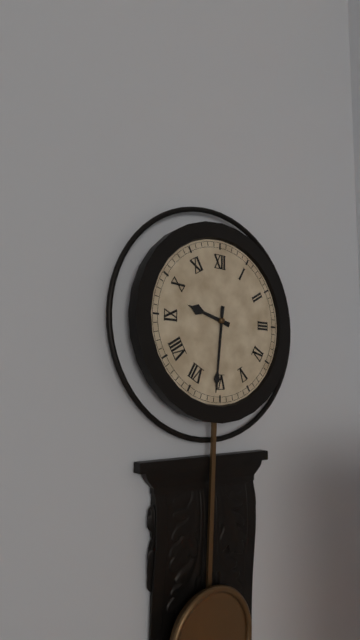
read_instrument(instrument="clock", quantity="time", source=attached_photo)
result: 9:31
